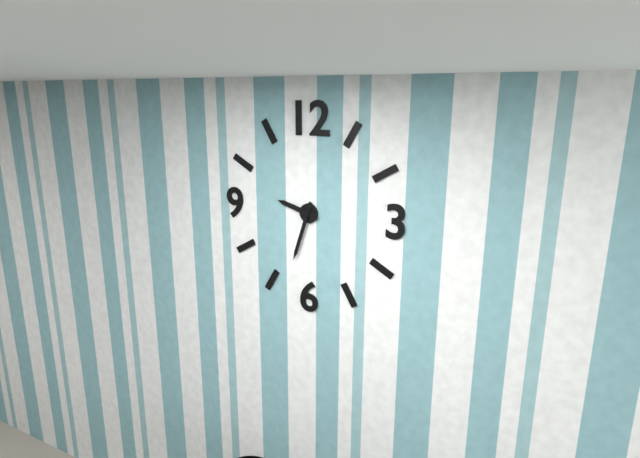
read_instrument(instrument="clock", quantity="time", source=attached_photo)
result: 9:33
